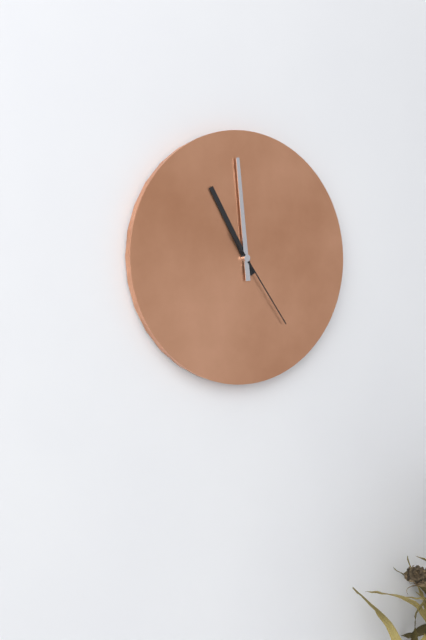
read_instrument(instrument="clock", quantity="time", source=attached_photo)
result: 10:59:24
